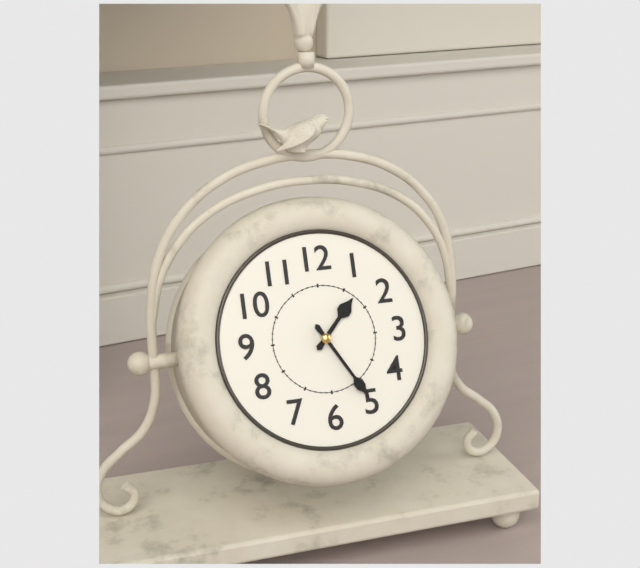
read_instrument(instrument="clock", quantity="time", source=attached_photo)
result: 1:25
